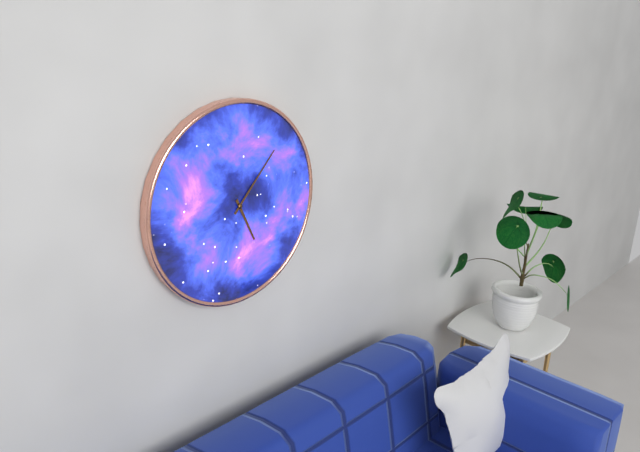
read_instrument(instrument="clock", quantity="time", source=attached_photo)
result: 5:07
